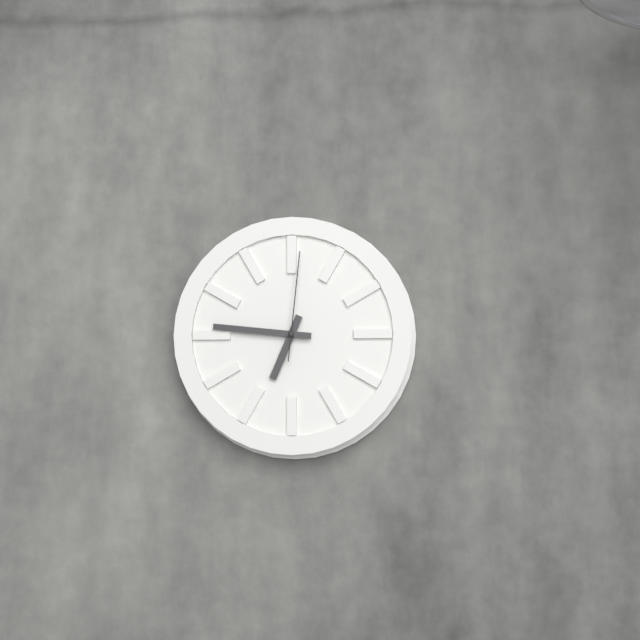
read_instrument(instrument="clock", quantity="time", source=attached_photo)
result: 6:46:01
